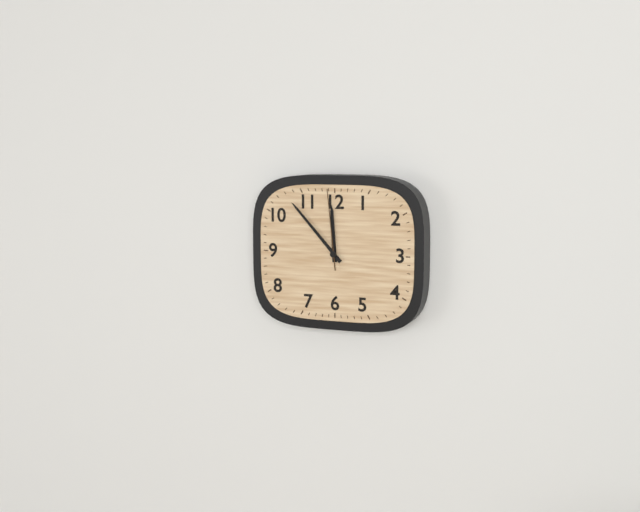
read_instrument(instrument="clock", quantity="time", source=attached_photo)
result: 11:53:59
